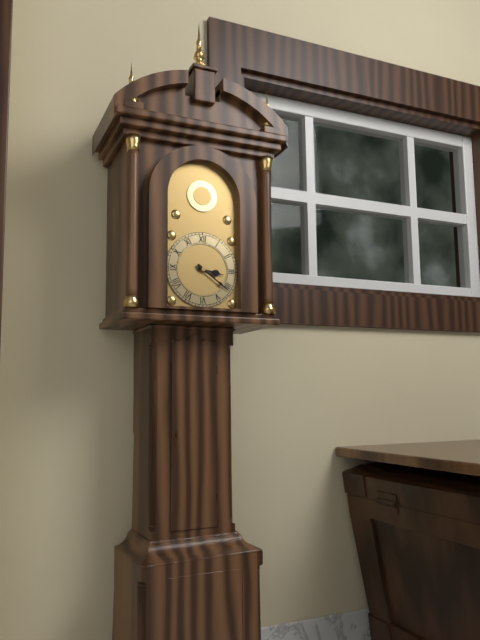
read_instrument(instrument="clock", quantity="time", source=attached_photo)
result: 3:21
